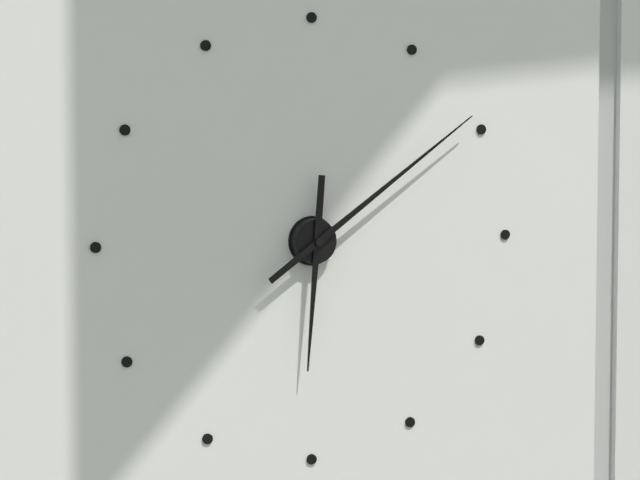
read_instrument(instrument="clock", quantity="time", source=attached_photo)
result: 6:09
